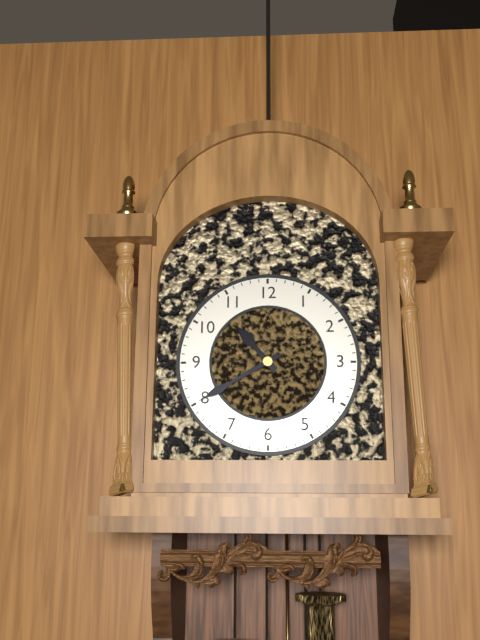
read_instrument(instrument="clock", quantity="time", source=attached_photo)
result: 10:40
